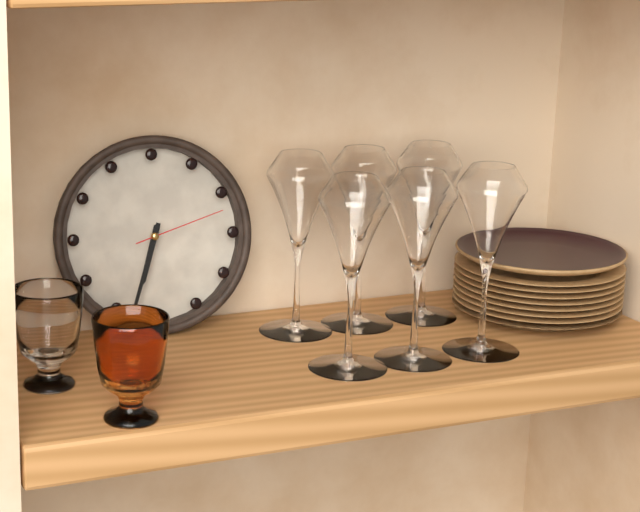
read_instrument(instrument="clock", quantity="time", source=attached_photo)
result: 6:33:12
